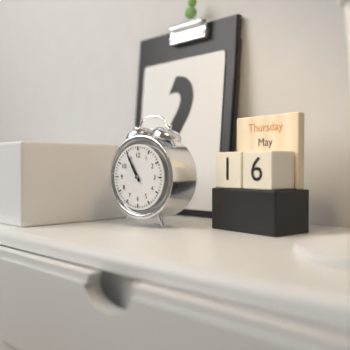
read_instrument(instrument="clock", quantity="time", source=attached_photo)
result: 10:55
